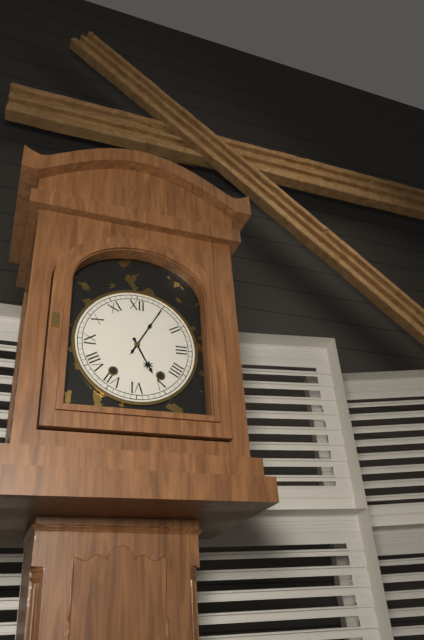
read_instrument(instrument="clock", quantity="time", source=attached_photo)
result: 5:05
